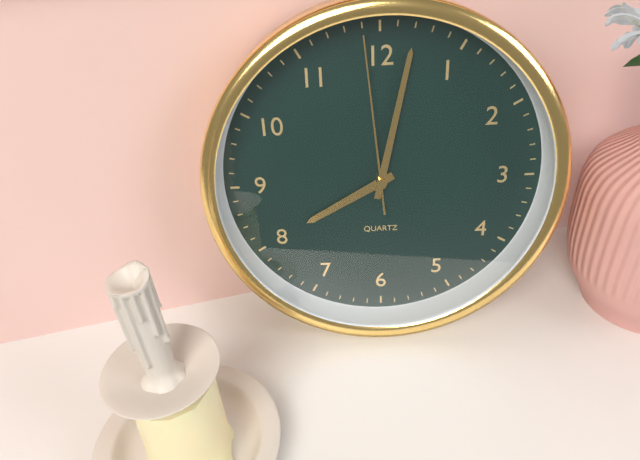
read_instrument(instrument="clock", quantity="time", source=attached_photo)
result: 8:02:59
